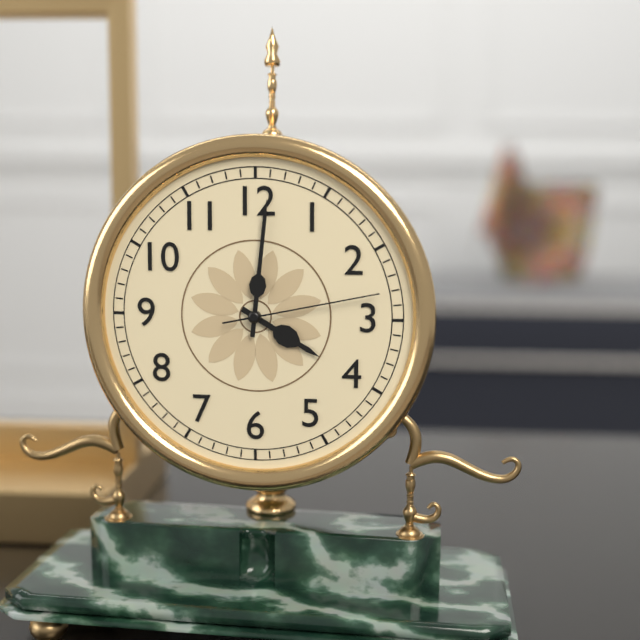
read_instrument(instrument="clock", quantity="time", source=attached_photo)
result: 4:01:13
